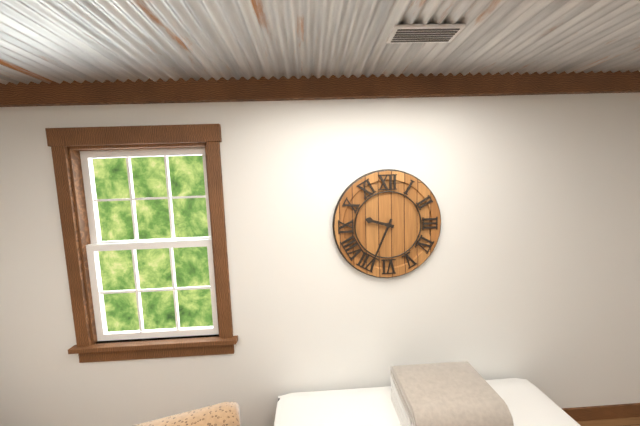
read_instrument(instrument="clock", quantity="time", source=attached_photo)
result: 9:34
